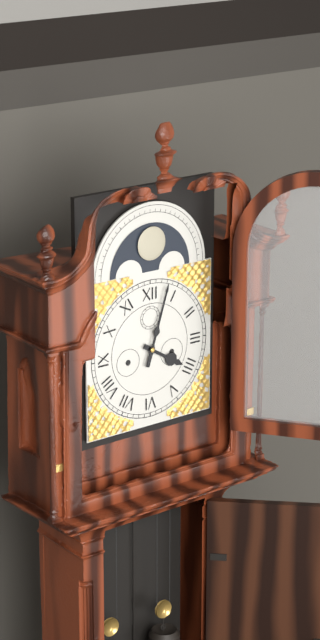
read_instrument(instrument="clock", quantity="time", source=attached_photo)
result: 4:03
